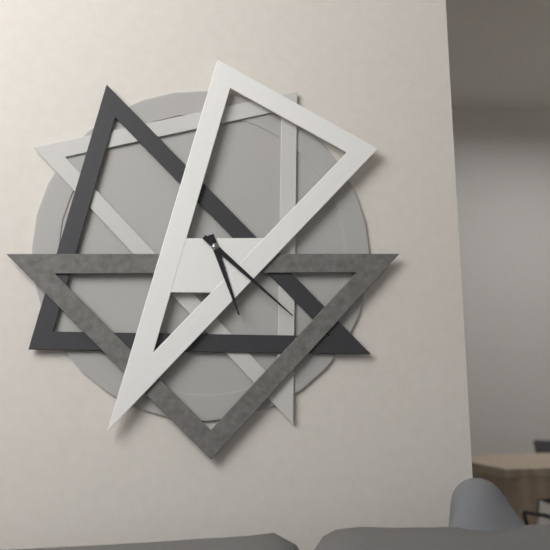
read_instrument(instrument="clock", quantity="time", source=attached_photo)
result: 5:22
